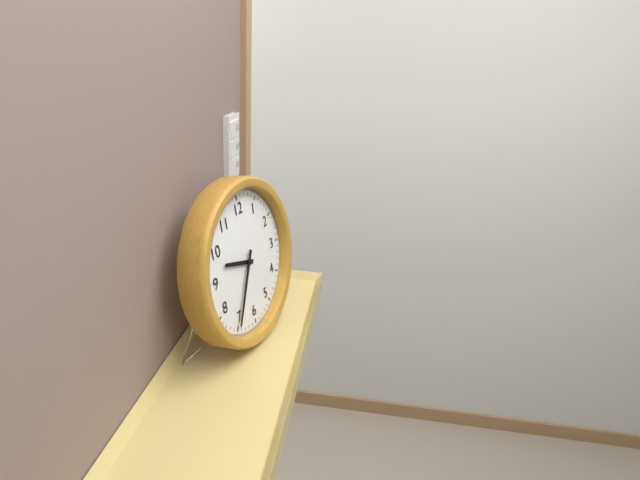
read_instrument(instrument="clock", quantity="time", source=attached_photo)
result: 9:35
